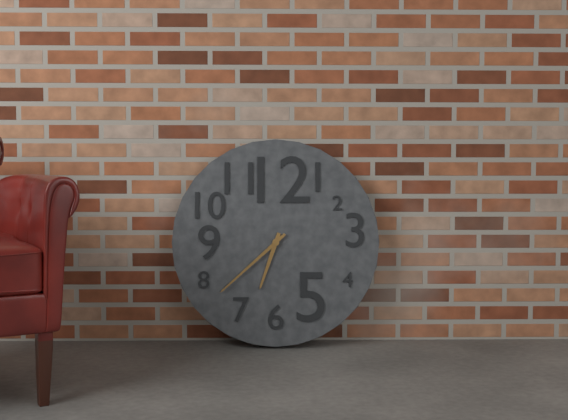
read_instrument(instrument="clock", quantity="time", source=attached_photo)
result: 6:38
